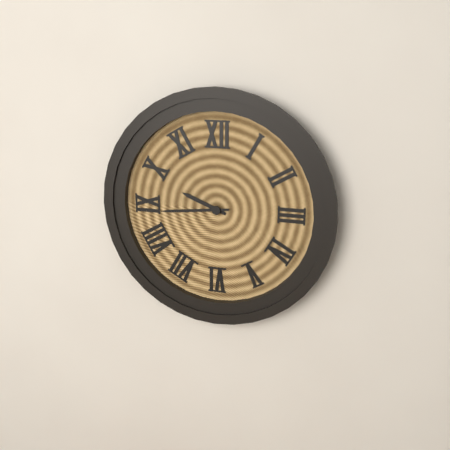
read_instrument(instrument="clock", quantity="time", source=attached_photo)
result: 9:44
